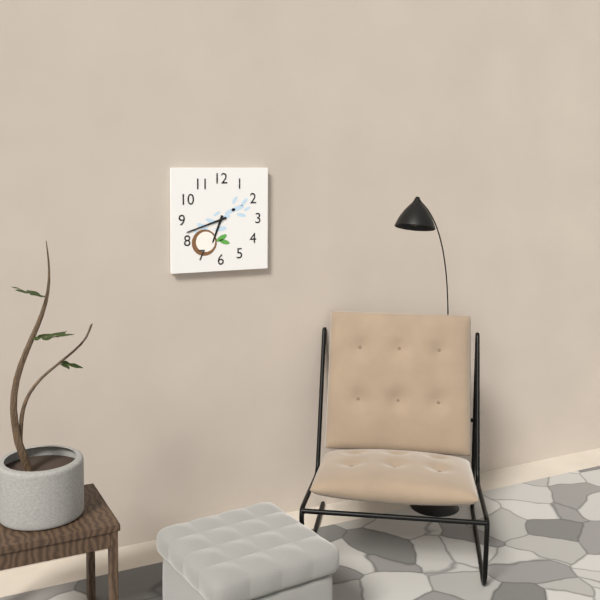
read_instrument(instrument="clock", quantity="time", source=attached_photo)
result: 6:42
